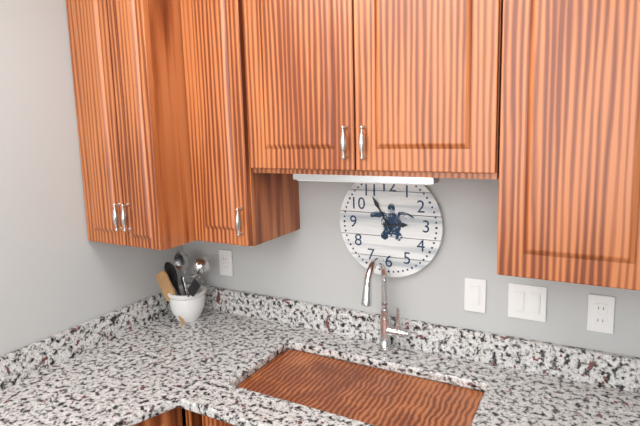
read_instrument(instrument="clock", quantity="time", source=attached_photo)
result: 2:55
